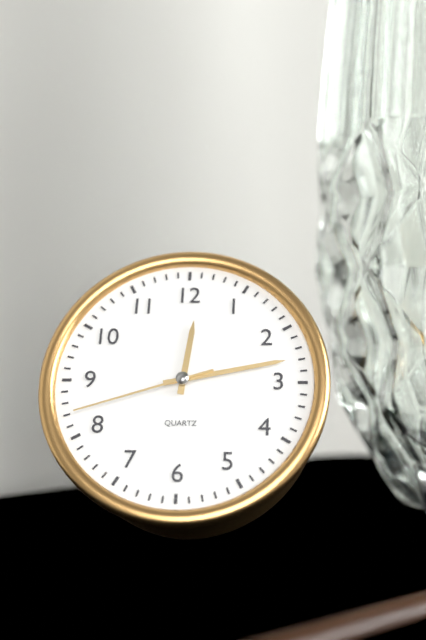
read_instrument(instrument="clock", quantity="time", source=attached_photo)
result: 12:13:42
